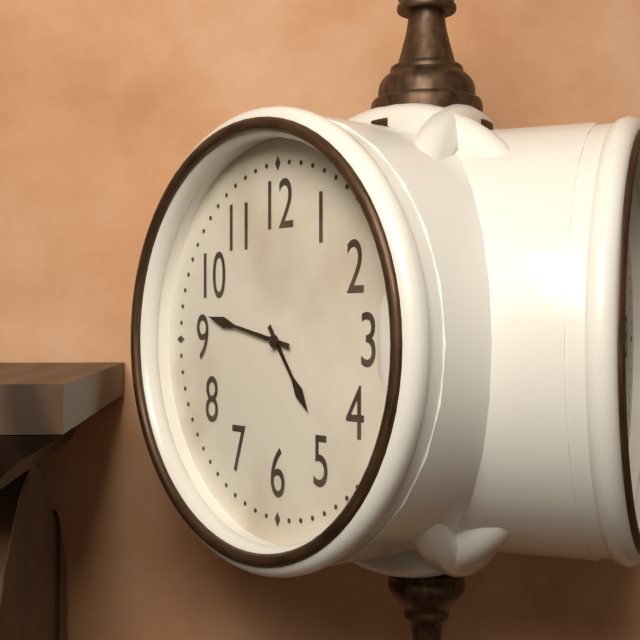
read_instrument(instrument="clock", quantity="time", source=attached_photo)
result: 4:47
